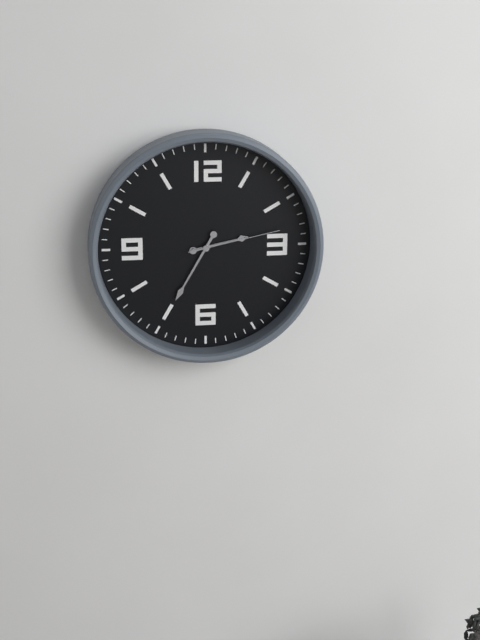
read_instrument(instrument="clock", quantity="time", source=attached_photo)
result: 2:35:13
